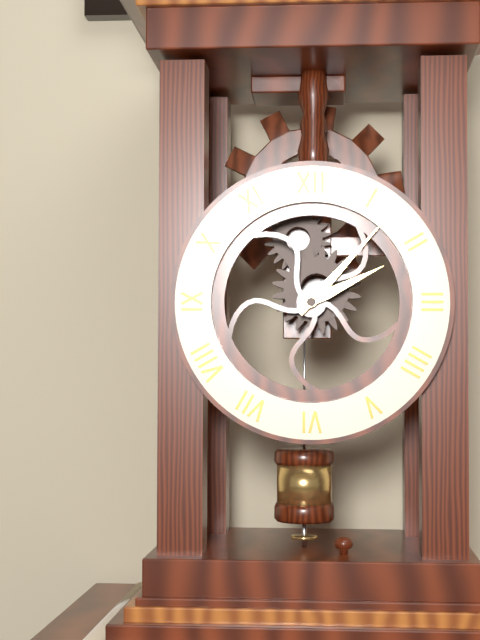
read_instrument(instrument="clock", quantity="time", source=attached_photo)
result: 2:07
